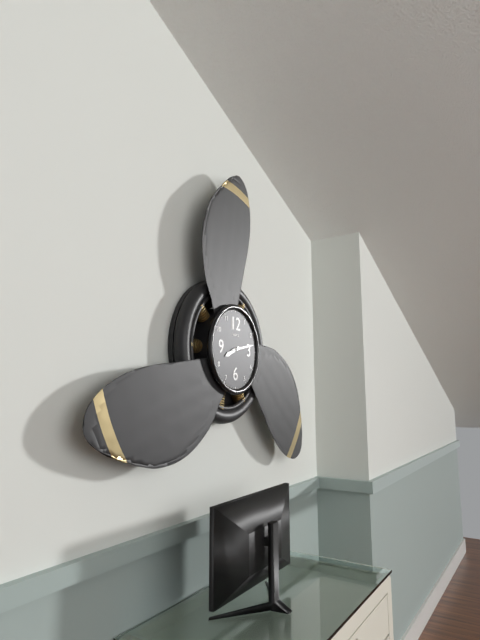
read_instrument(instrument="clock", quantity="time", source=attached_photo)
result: 8:13
